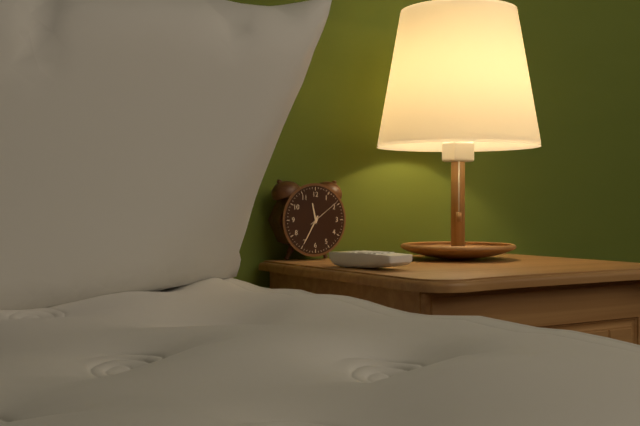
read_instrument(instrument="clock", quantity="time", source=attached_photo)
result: 11:35
